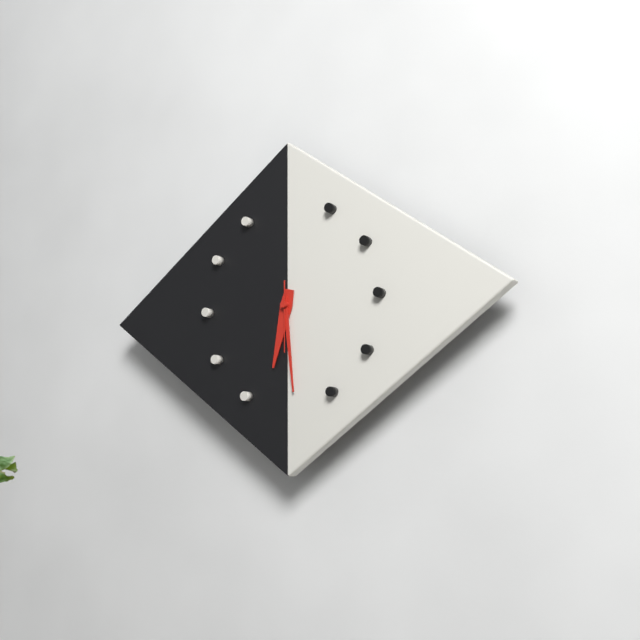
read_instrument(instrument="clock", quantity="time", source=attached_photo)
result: 6:29:30
